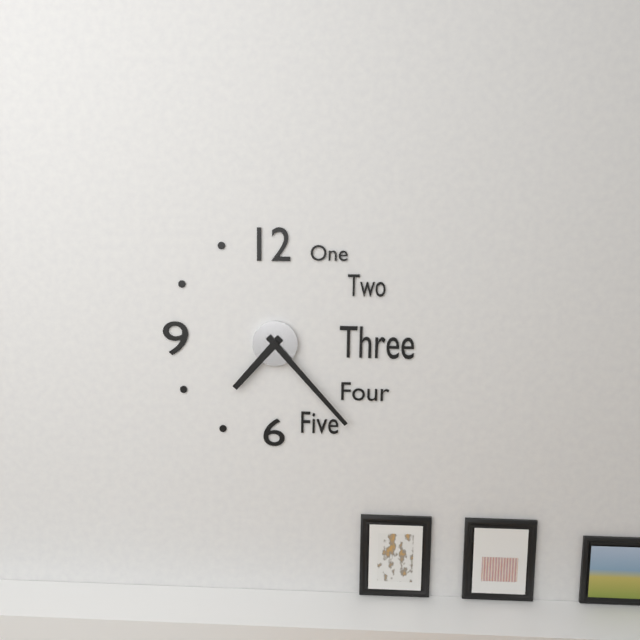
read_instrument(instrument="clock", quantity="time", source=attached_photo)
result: 7:23
